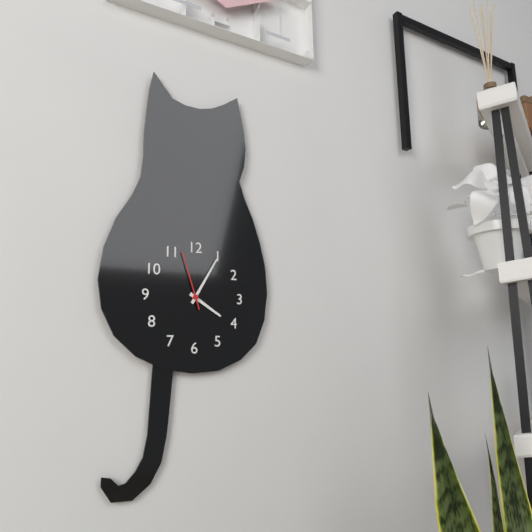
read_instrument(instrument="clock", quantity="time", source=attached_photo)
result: 4:05:57
